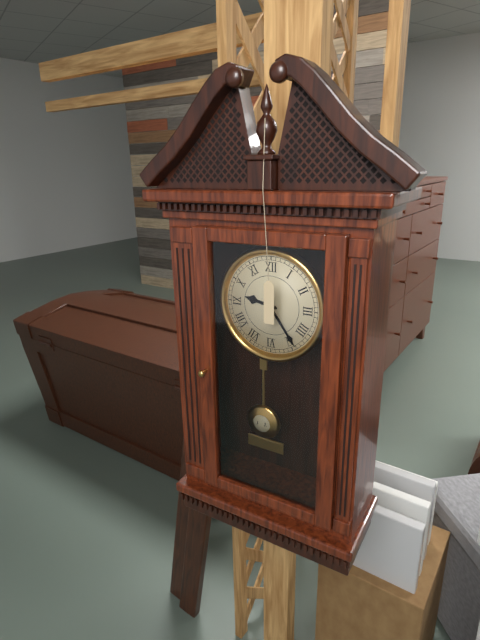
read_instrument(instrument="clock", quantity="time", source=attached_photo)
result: 9:24
